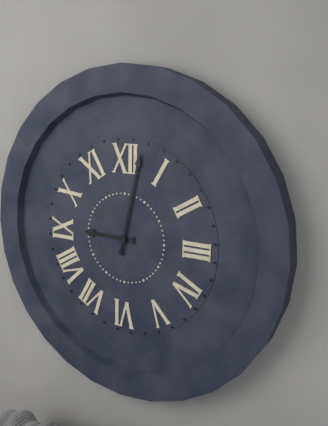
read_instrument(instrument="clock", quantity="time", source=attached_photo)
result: 9:02
